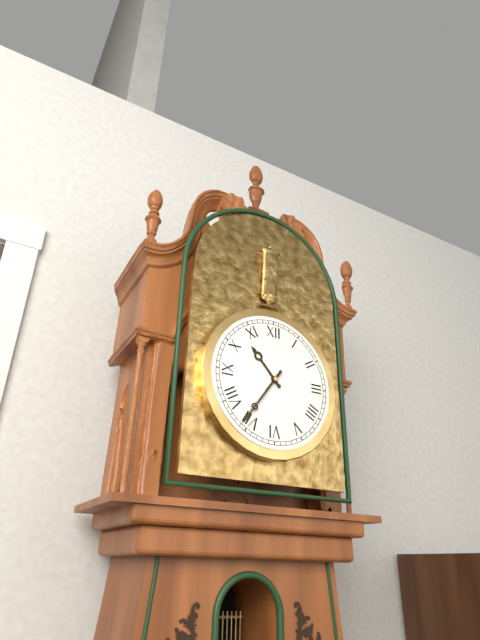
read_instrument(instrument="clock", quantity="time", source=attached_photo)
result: 10:36
